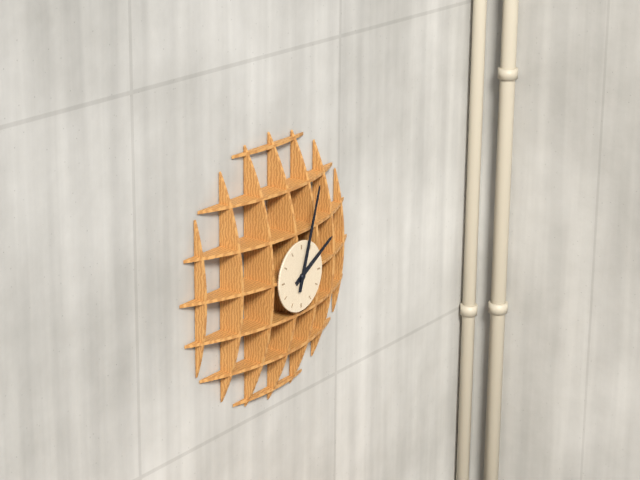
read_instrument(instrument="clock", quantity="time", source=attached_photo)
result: 2:03
